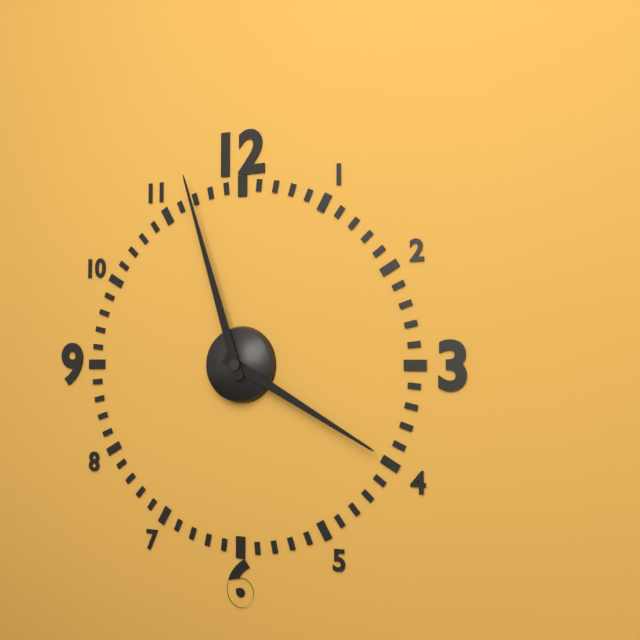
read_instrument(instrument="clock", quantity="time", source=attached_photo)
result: 3:57
